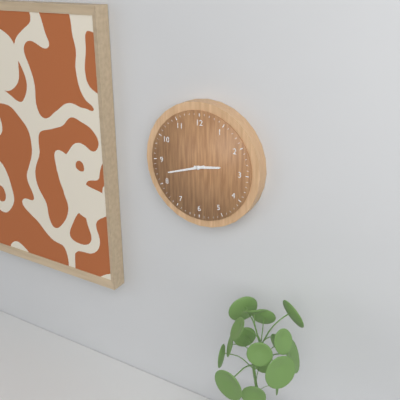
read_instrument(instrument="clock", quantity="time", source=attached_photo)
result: 2:42
